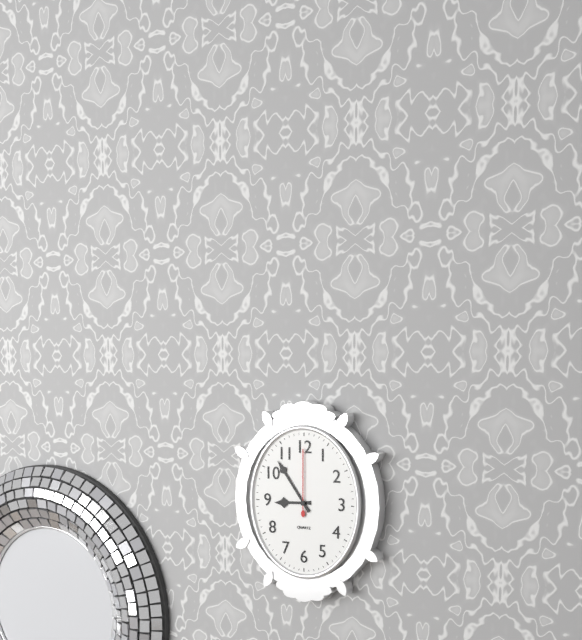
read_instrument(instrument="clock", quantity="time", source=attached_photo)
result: 8:54:00
